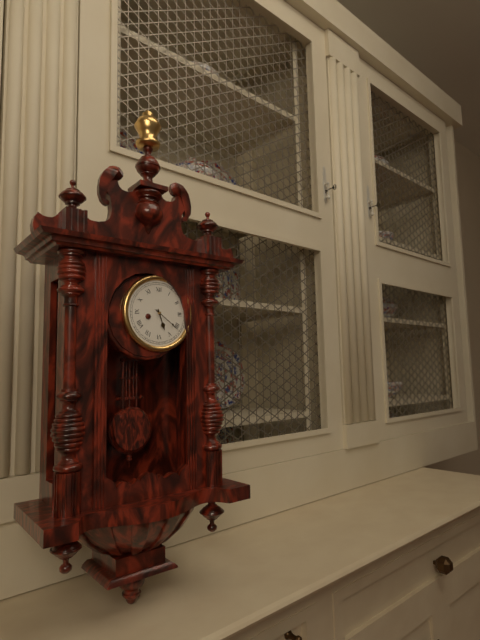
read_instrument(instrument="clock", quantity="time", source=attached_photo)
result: 5:21
